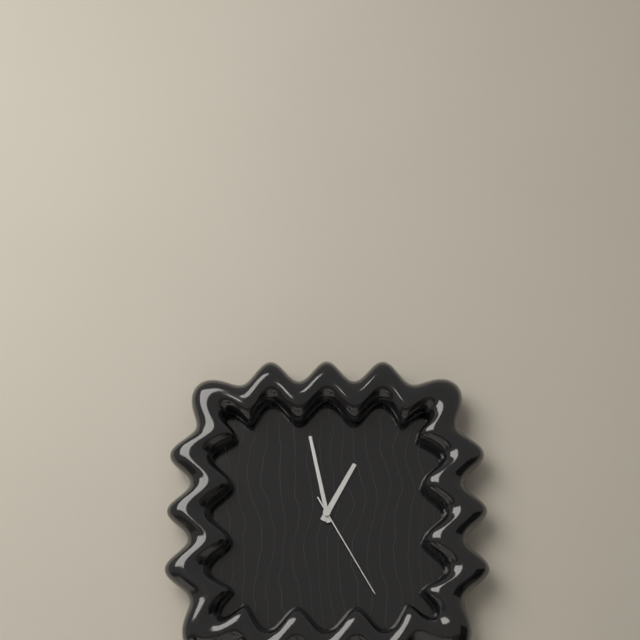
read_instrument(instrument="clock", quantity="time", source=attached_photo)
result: 12:58:25
